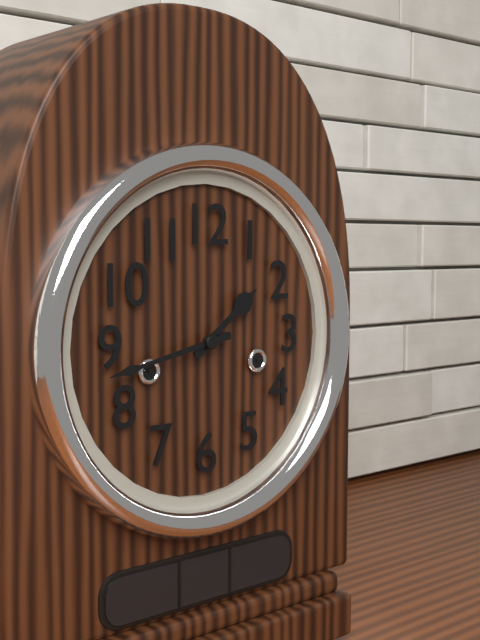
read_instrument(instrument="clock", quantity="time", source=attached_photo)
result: 1:43
